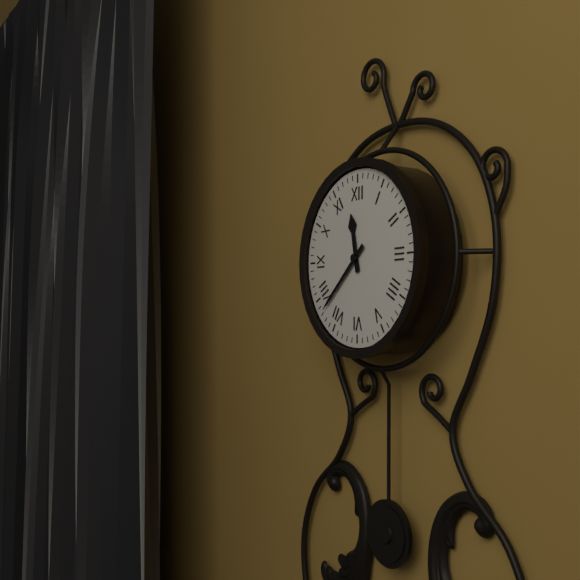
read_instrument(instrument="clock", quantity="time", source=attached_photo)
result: 11:38
